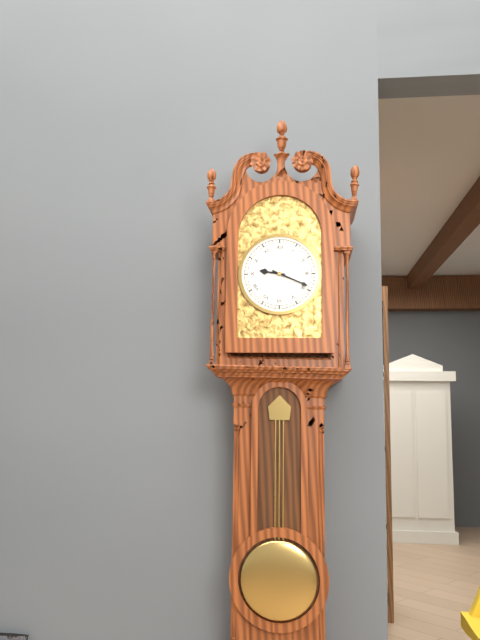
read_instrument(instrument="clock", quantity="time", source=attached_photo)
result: 9:19
